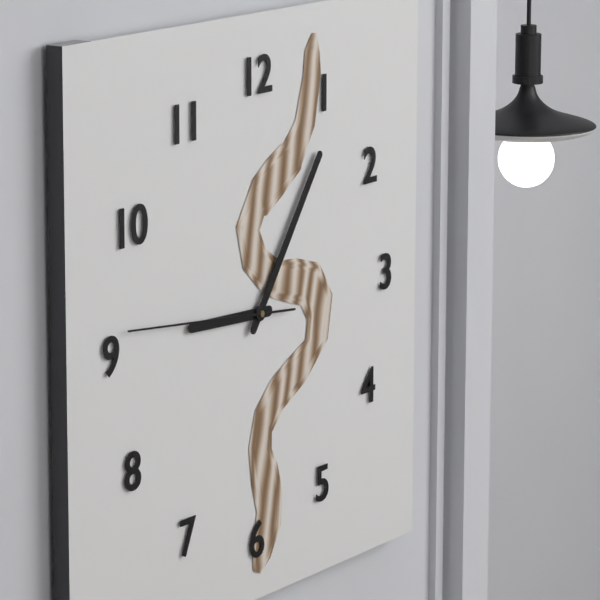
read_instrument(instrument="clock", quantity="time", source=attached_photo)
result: 9:06:46
